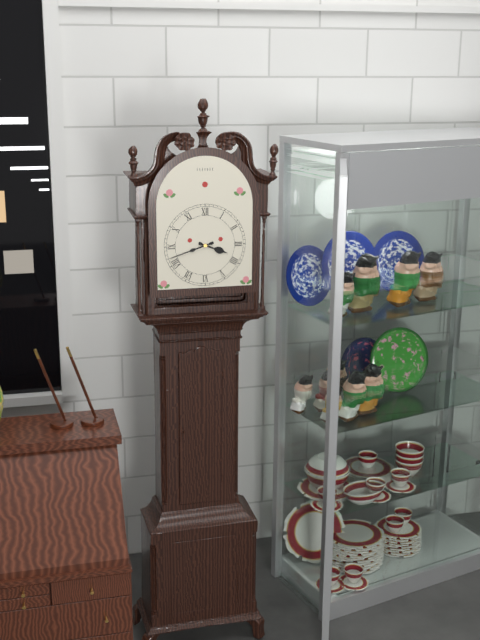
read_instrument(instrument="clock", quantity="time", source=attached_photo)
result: 3:42
